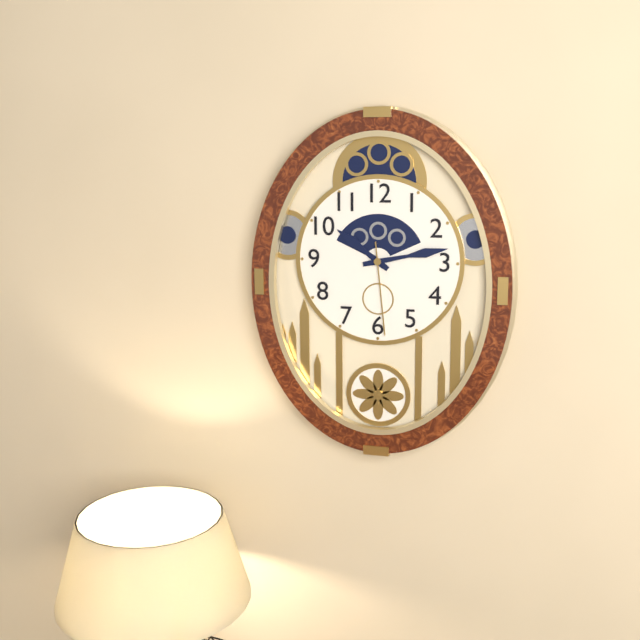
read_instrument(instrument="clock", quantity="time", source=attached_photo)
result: 10:13:29
